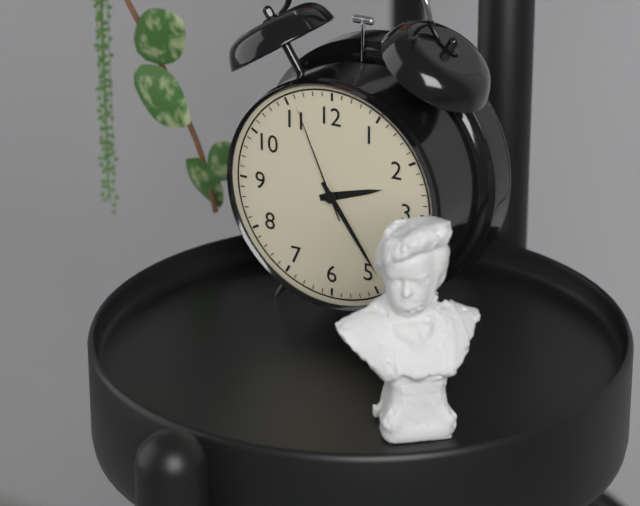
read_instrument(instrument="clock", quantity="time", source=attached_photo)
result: 2:24:56
